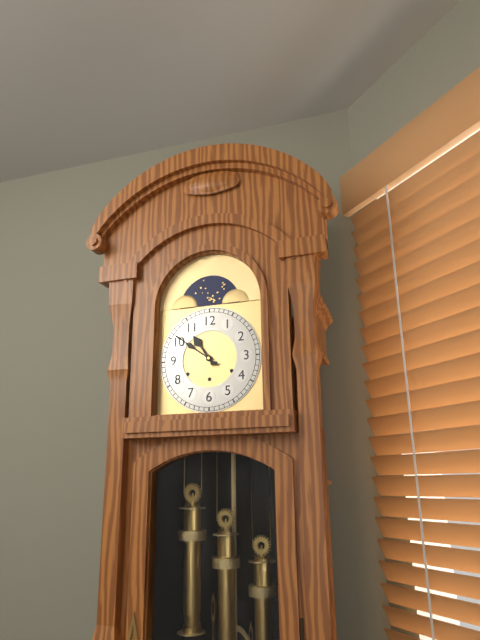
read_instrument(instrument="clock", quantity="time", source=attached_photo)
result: 10:51
